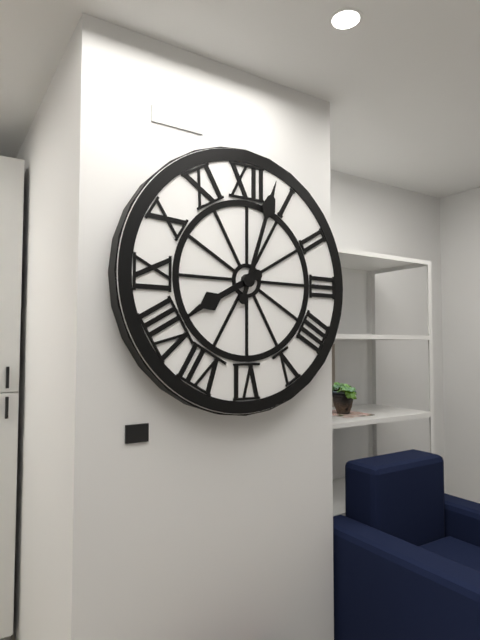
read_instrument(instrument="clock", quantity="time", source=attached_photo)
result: 8:03
